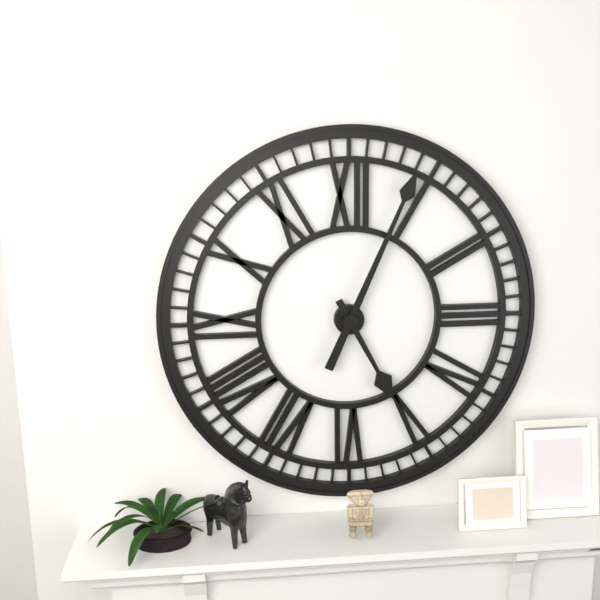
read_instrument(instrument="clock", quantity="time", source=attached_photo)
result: 5:04
